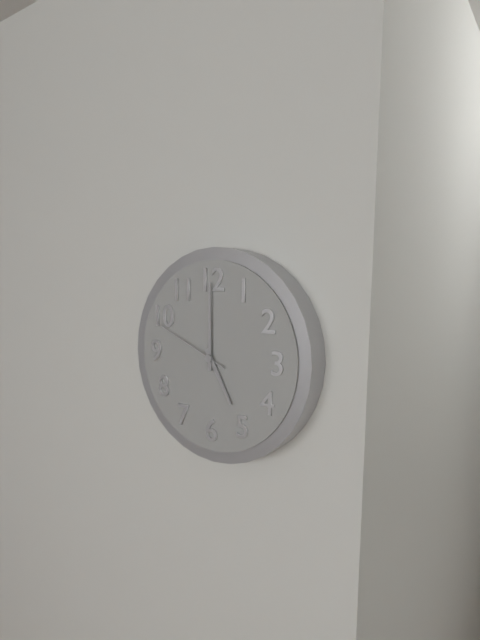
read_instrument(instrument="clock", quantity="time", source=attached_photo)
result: 5:00:49
